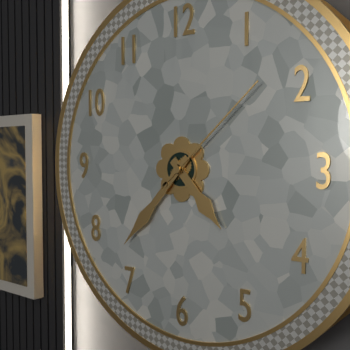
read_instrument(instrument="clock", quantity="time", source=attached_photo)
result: 4:37:08
